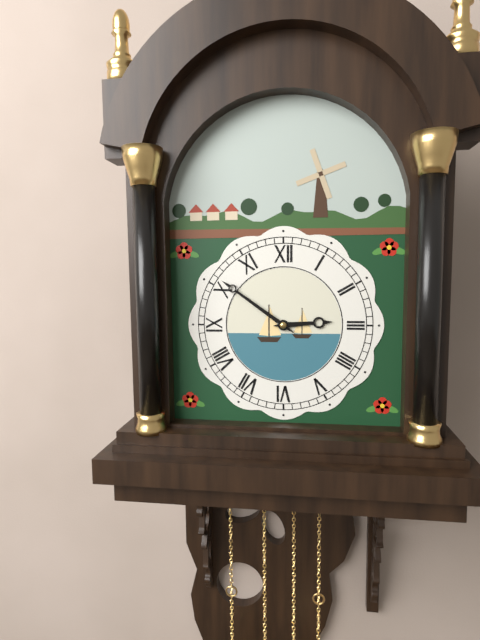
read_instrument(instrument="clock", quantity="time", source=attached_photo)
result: 2:51
